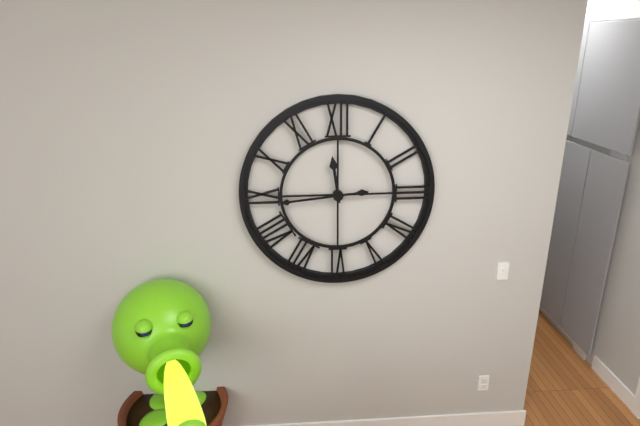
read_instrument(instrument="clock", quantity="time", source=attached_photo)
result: 11:44
